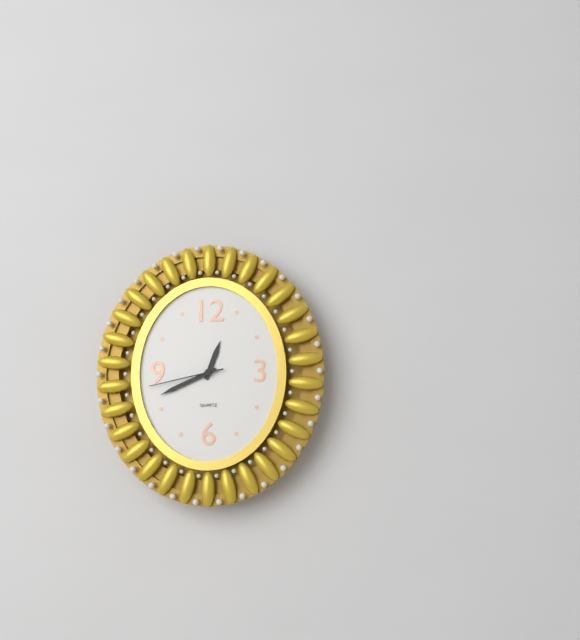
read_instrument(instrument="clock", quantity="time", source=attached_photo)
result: 12:41:43
